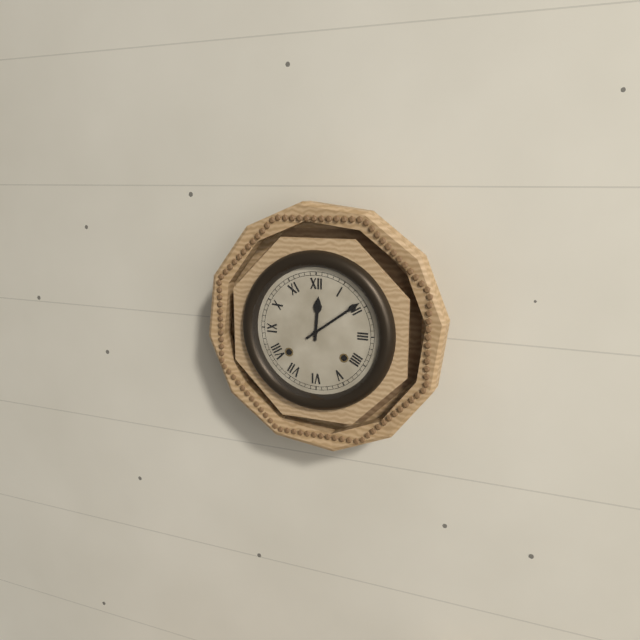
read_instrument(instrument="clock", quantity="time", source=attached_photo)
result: 12:09
